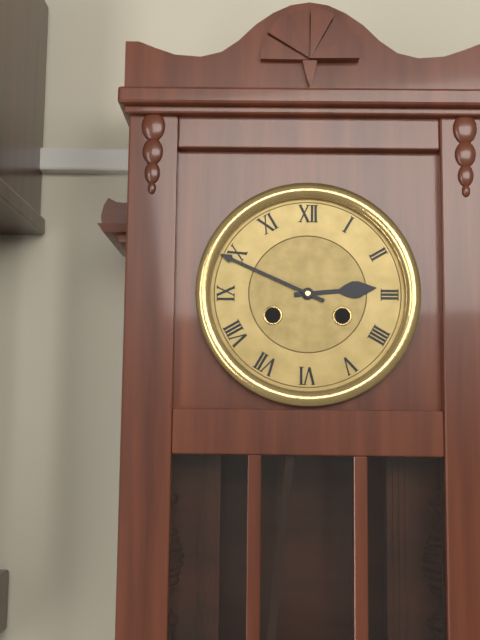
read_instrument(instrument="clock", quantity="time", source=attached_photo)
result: 2:49
